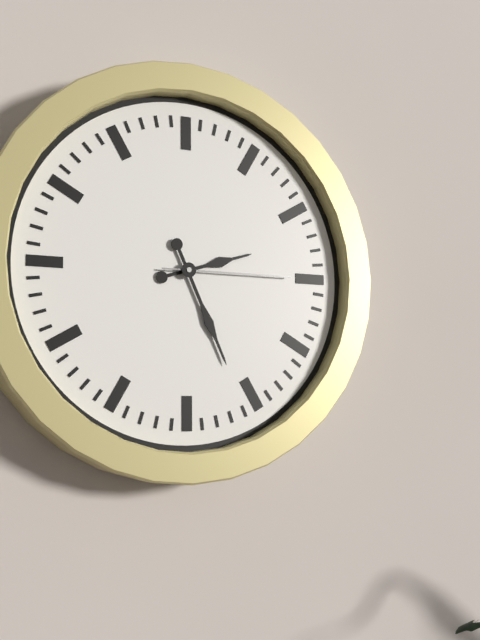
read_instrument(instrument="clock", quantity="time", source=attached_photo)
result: 2:26:15
